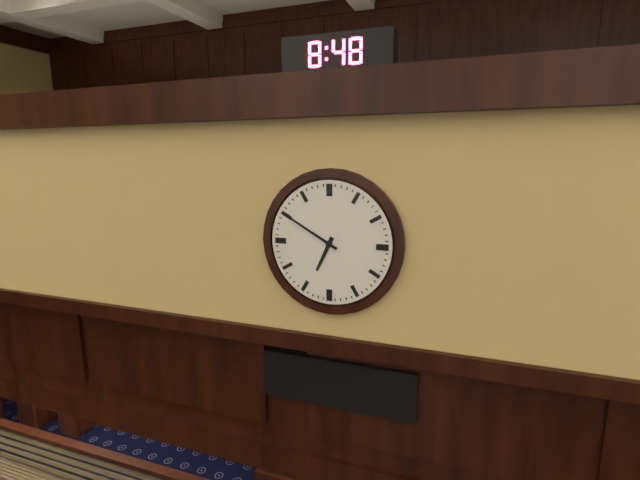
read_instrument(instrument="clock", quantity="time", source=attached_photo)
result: 6:50
